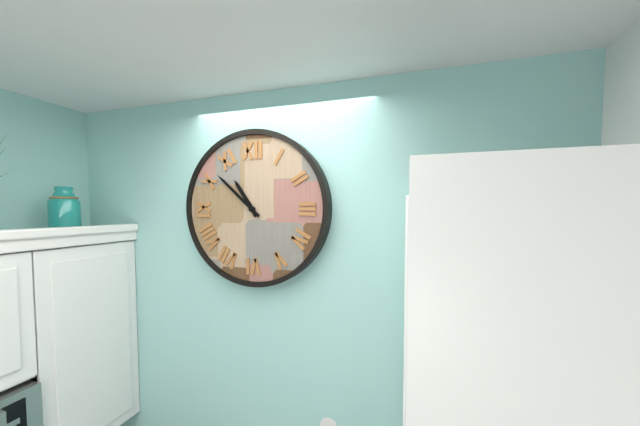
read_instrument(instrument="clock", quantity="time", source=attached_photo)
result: 10:52
